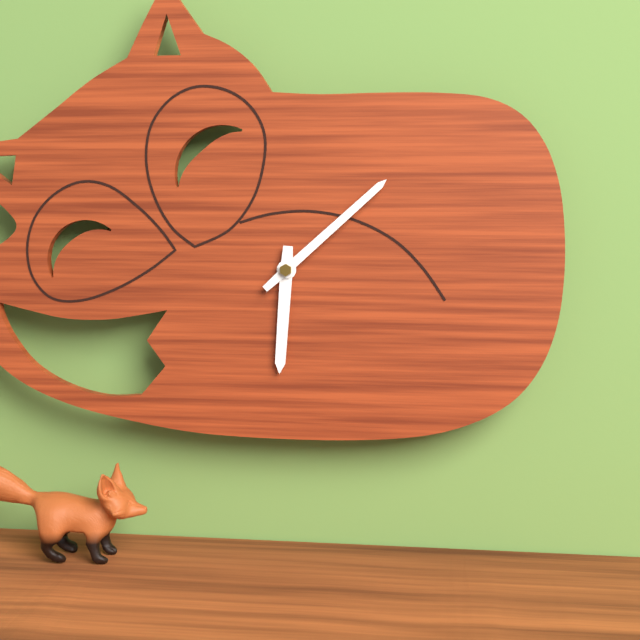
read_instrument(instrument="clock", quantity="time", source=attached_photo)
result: 6:08
